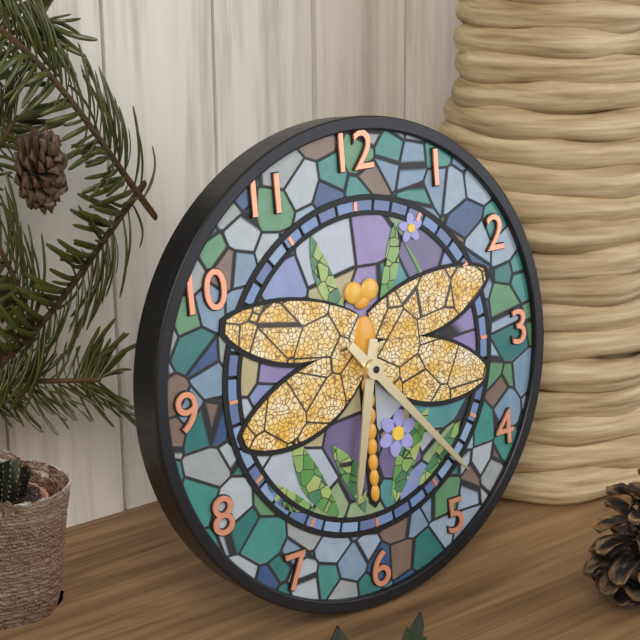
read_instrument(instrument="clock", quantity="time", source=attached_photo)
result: 6:23
